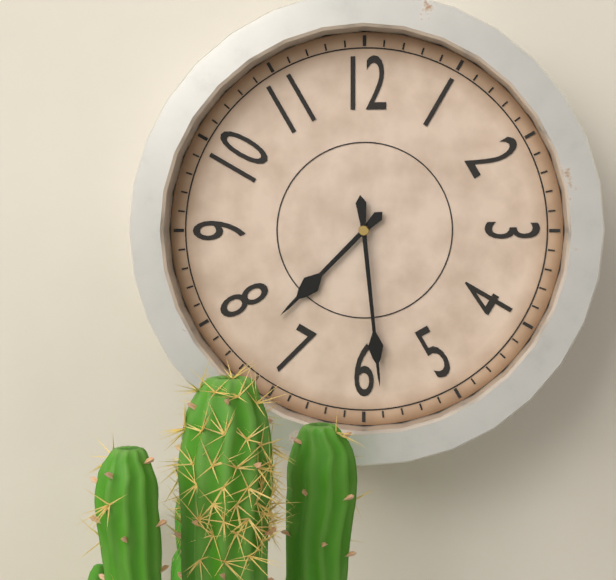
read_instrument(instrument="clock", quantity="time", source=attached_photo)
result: 7:29
